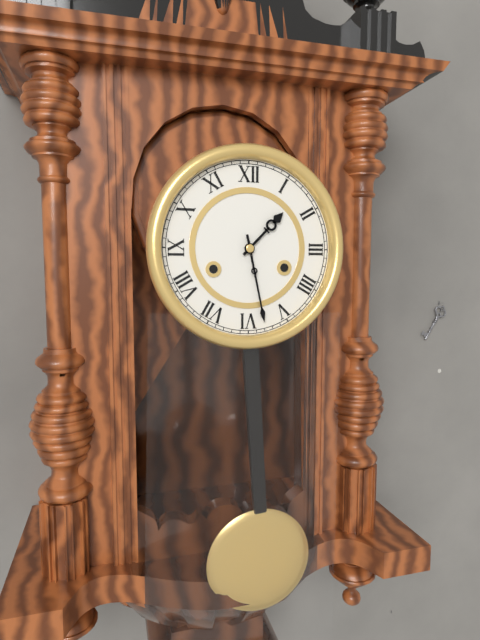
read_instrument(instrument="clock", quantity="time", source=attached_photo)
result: 1:28
